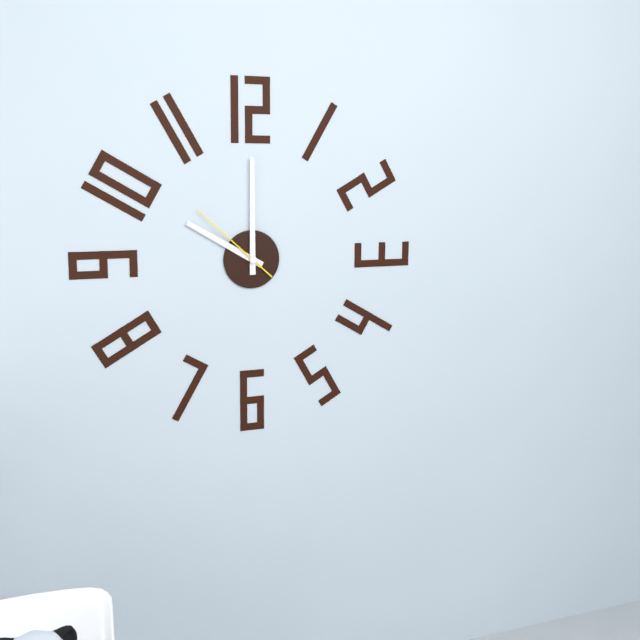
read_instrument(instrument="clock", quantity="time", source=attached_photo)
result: 10:00:52
